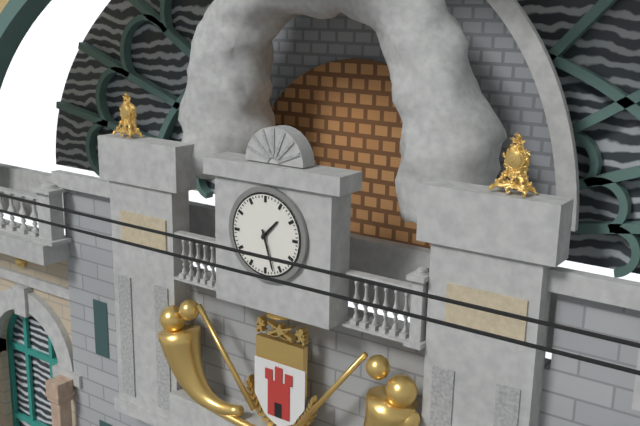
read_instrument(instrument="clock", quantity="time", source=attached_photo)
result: 1:27
